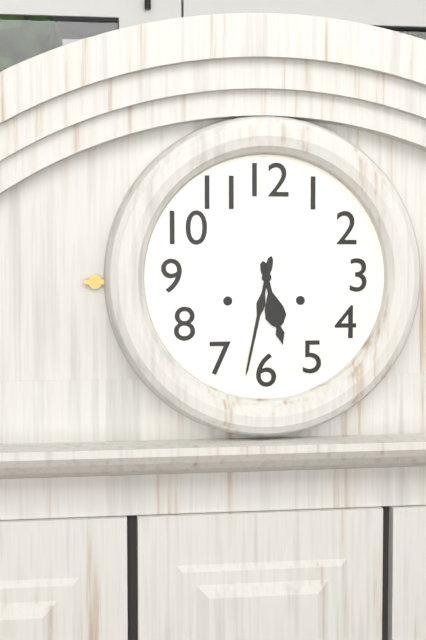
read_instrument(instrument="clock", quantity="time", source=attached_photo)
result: 5:32
